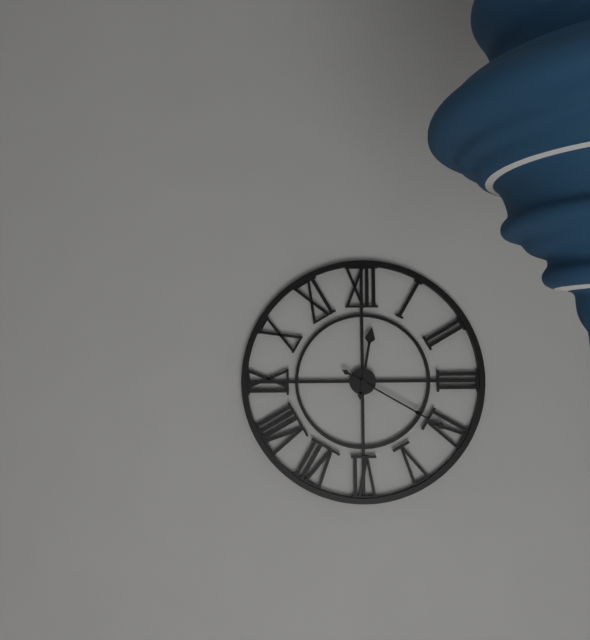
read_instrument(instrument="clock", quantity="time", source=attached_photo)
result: 12:20
